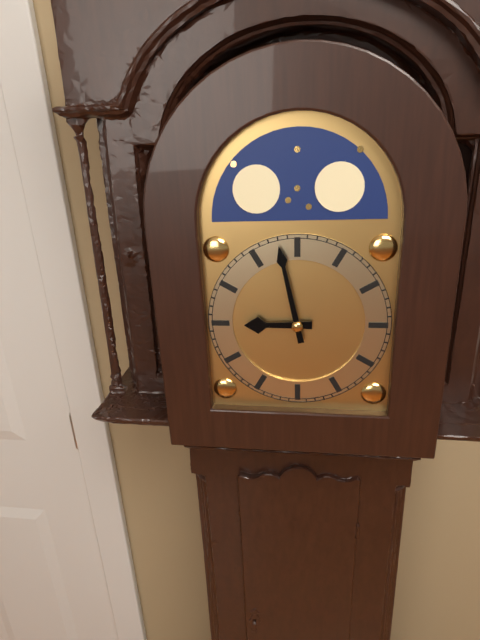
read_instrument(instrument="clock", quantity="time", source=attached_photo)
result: 8:58
